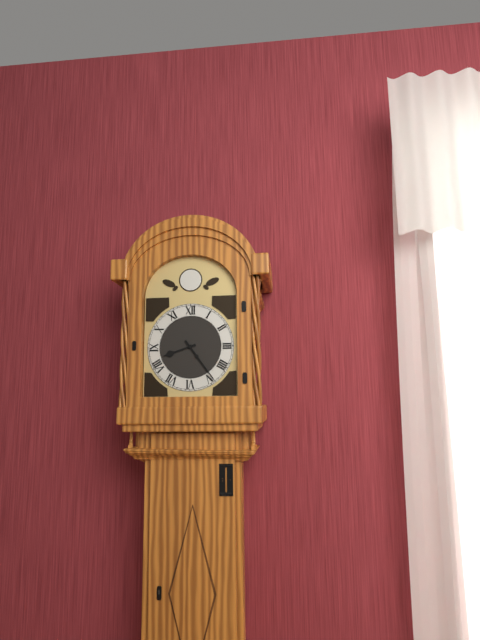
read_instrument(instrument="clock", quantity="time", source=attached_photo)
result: 8:24
